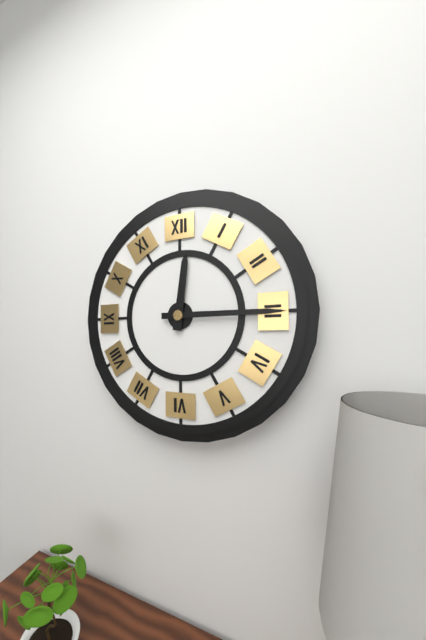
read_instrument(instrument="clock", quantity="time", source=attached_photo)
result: 12:15
